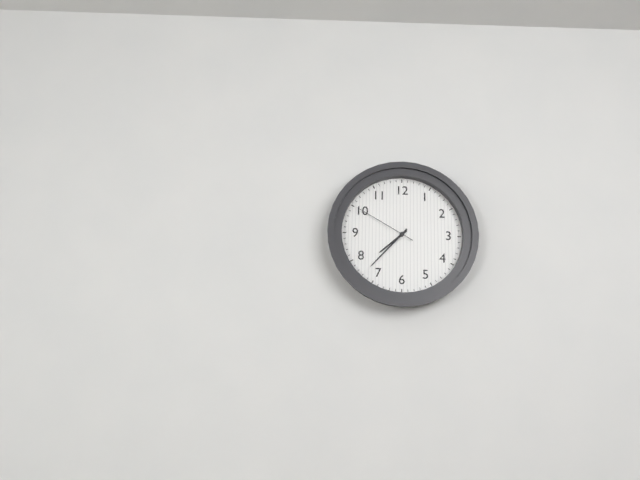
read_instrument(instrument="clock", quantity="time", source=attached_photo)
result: 7:37:50
